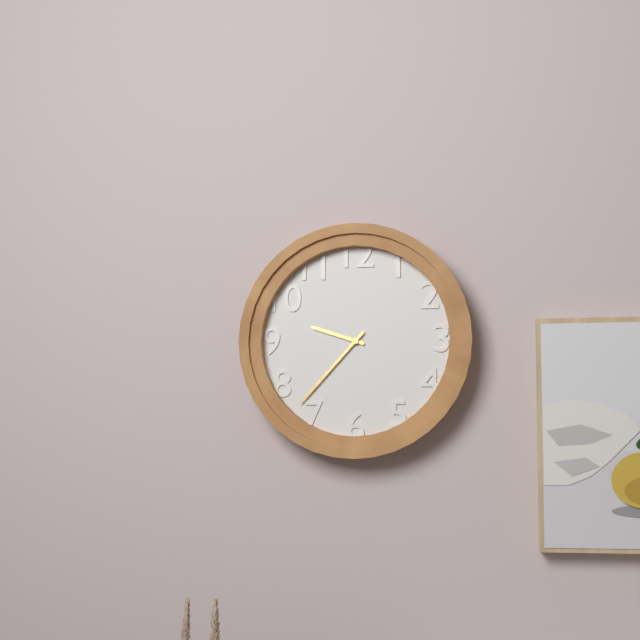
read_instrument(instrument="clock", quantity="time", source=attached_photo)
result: 9:37
